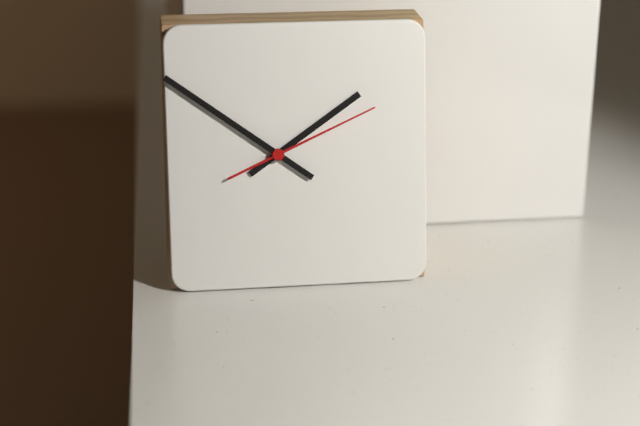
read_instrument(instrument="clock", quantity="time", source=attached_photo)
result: 1:51:11
